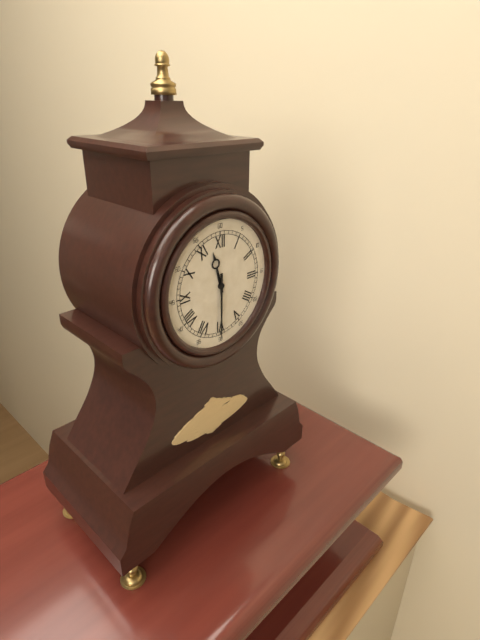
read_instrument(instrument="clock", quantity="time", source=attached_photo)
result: 11:30
